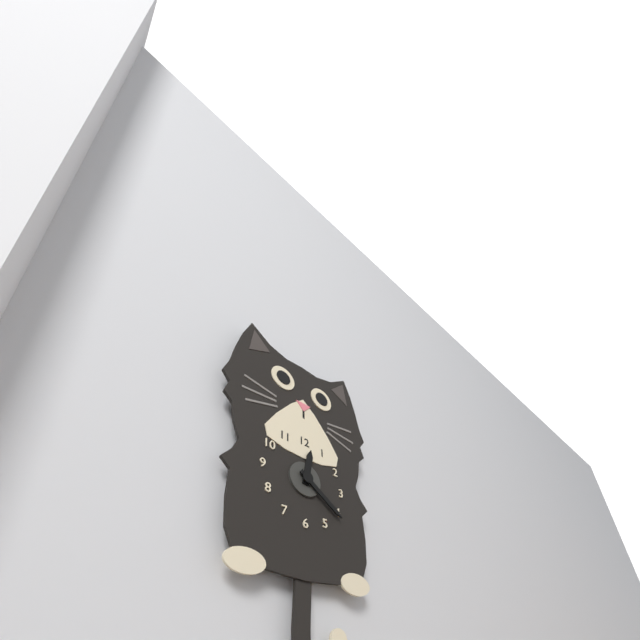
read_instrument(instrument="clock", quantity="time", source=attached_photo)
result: 12:21
